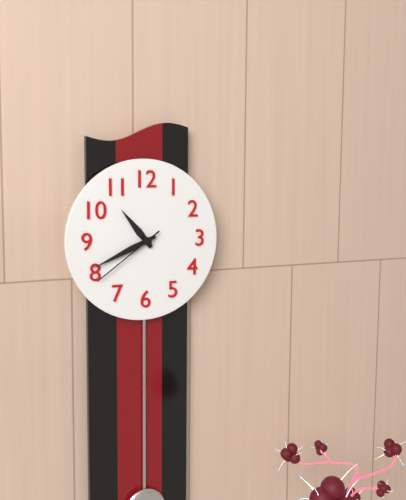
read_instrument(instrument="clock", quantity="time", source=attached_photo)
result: 10:41:39
